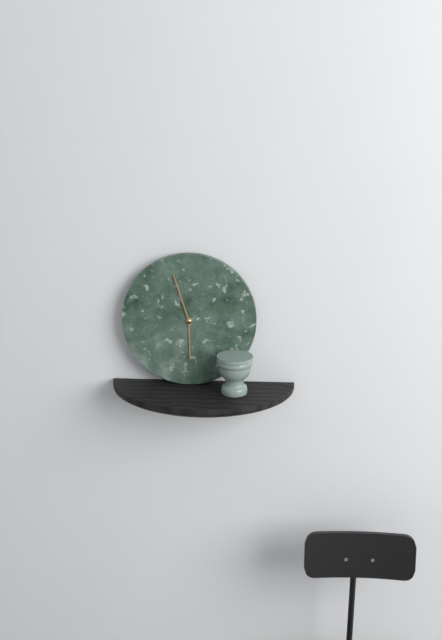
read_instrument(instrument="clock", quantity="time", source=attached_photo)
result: 5:57
